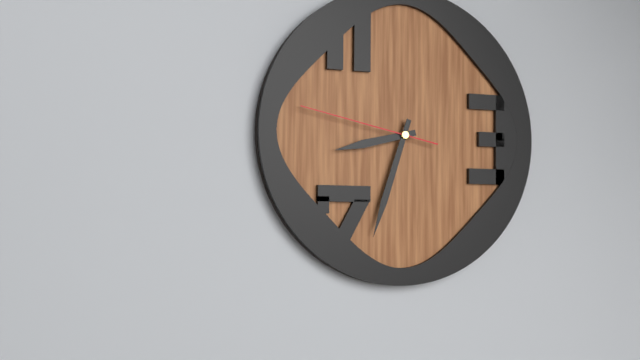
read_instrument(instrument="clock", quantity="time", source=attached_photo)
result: 8:33:47
